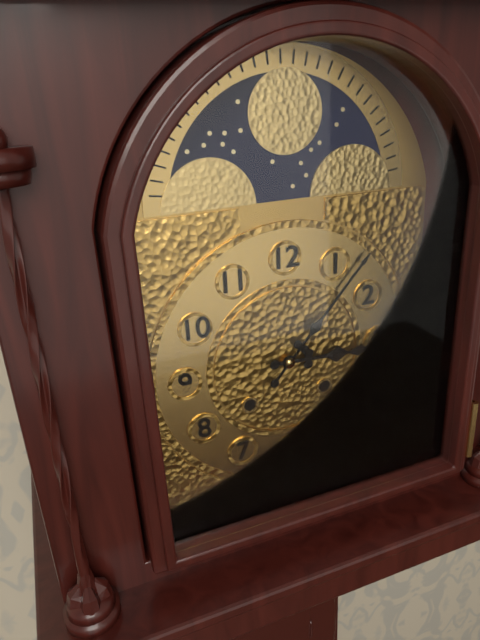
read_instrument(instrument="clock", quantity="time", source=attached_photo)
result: 3:07
